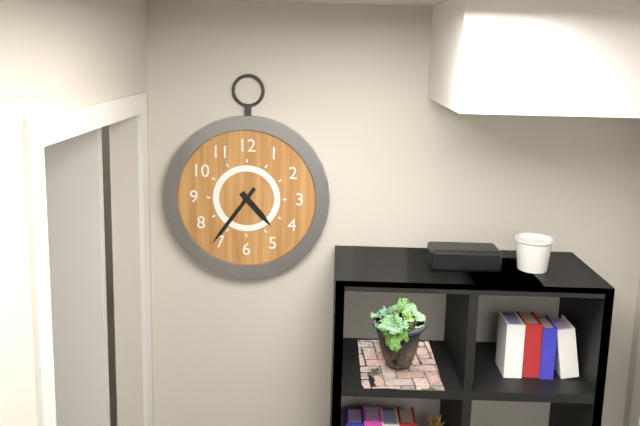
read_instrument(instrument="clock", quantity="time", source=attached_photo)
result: 4:36
